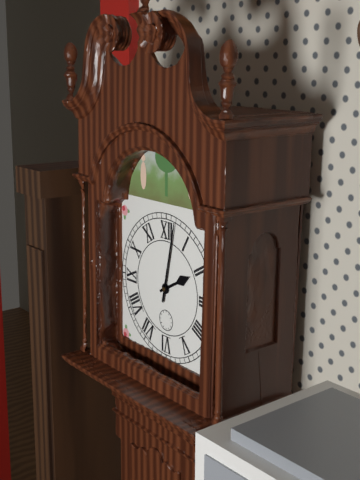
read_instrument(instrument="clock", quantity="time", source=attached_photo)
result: 2:02
